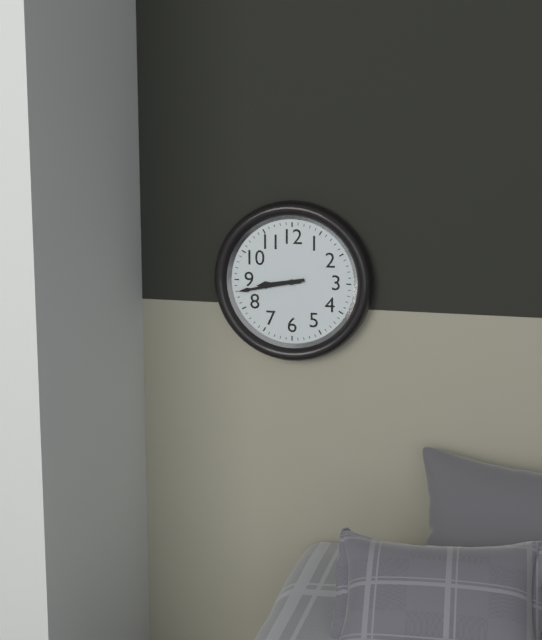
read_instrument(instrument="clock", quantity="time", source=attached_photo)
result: 8:43
